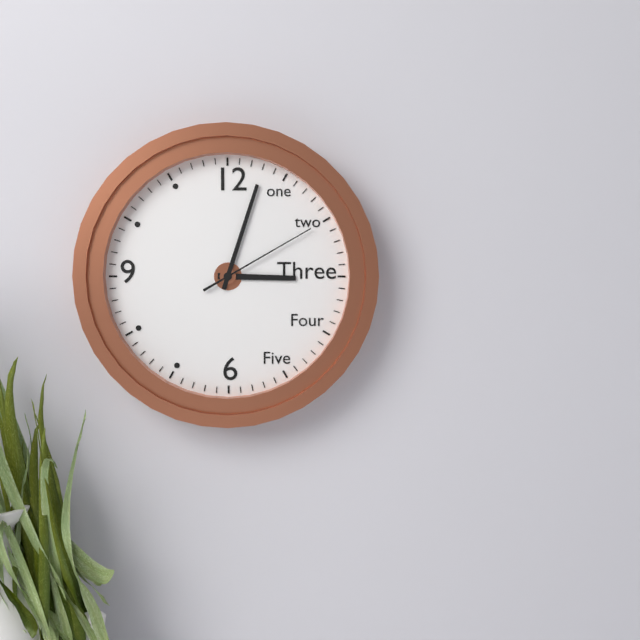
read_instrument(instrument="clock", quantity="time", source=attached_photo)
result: 3:03:10
